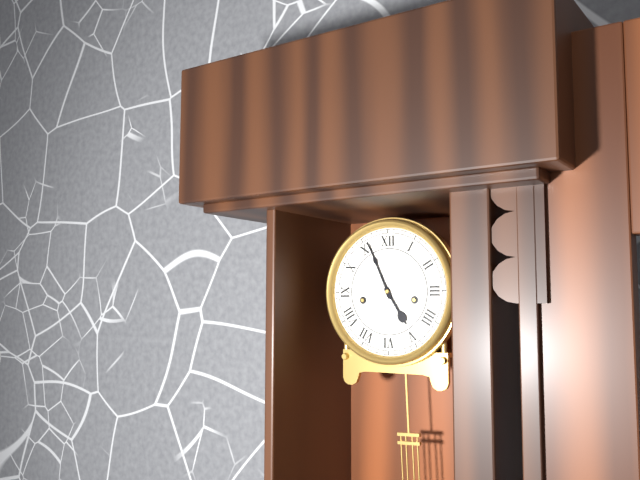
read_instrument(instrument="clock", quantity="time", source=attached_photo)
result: 4:56
